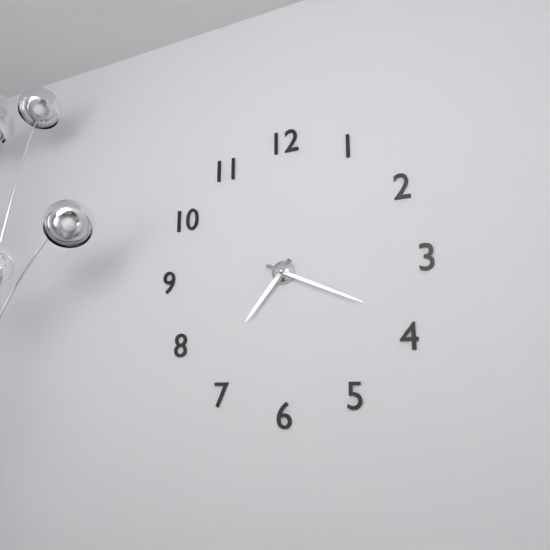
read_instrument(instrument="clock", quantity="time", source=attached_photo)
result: 7:19
